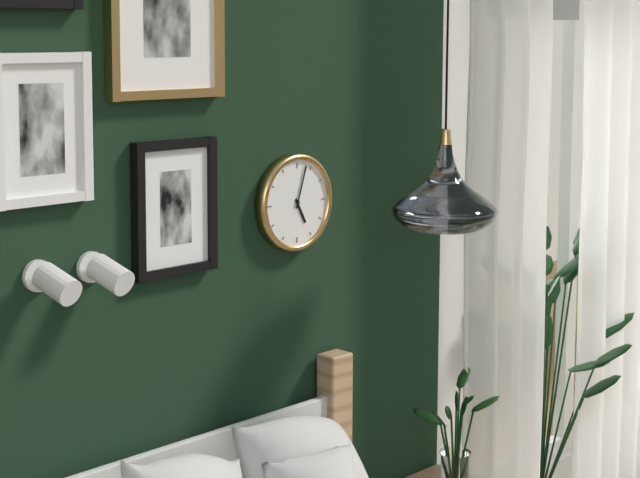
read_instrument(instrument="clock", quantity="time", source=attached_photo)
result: 5:03
